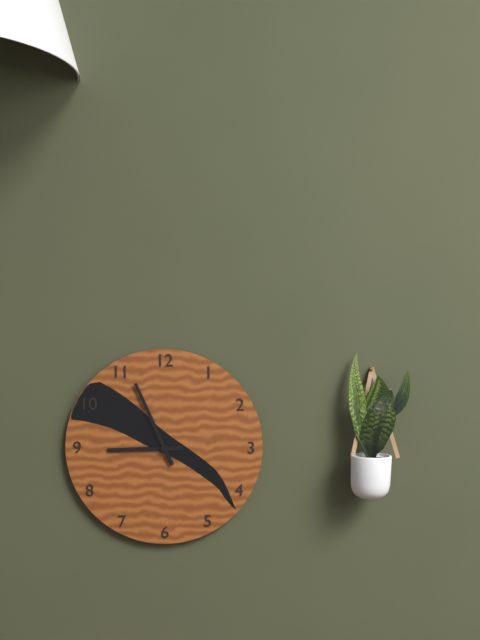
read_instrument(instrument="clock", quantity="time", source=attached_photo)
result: 8:56
